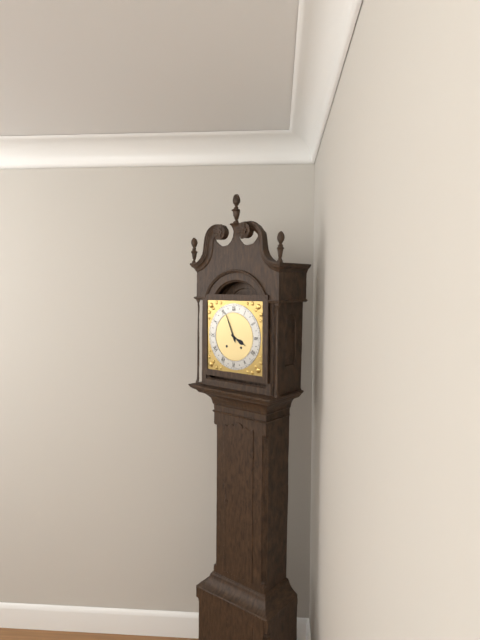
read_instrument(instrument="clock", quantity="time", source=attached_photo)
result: 3:56
